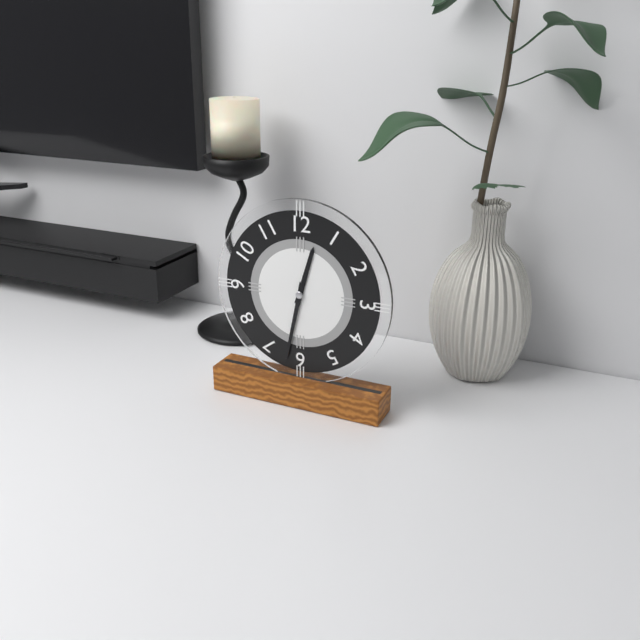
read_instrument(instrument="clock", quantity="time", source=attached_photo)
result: 12:32
